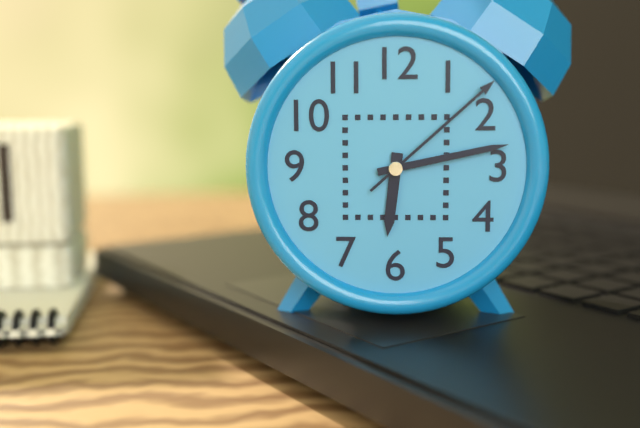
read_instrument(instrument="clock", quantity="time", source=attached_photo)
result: 6:13:08
